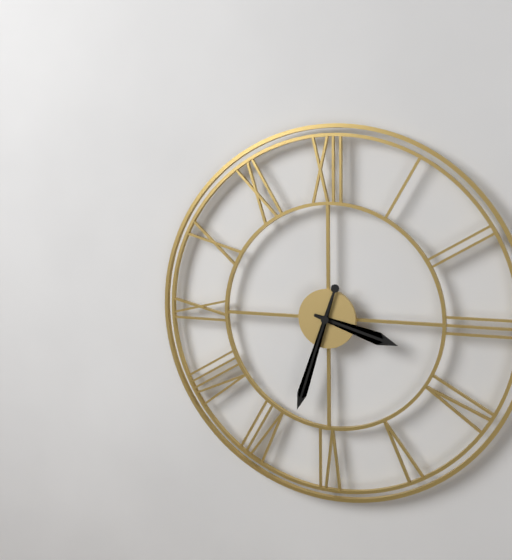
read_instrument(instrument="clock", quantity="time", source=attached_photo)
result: 3:33
